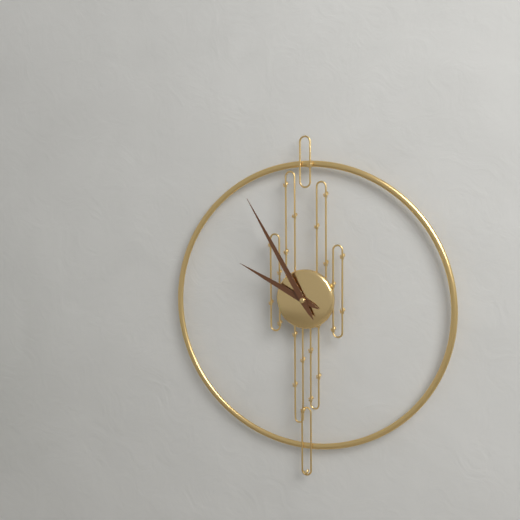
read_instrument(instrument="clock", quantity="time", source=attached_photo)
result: 9:55
